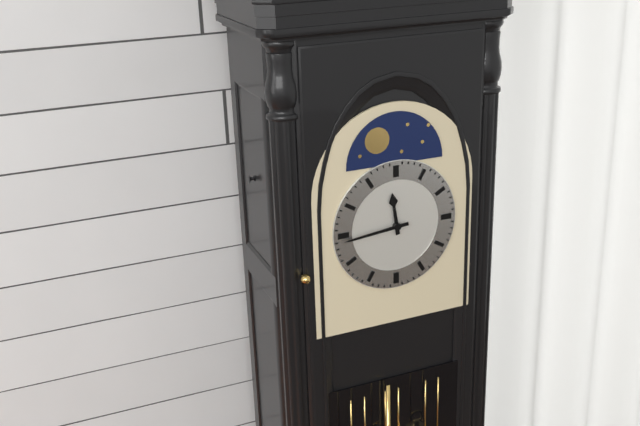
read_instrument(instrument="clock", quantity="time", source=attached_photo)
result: 11:44
